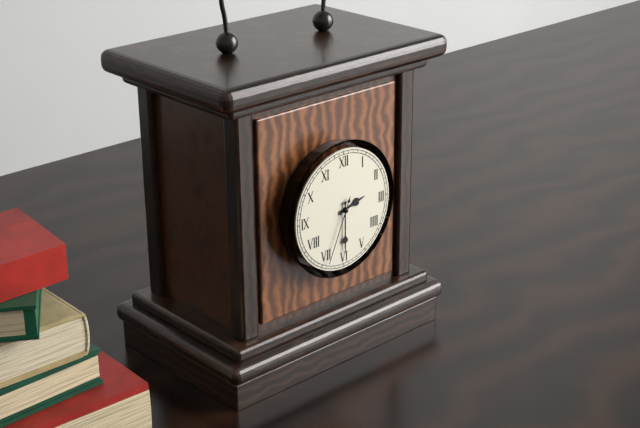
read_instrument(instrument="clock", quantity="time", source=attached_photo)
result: 2:30:34
